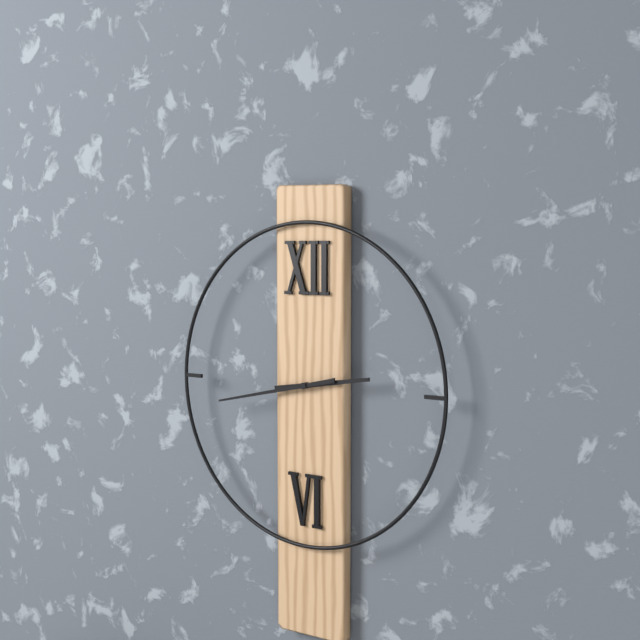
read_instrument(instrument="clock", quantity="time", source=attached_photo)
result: 2:43
